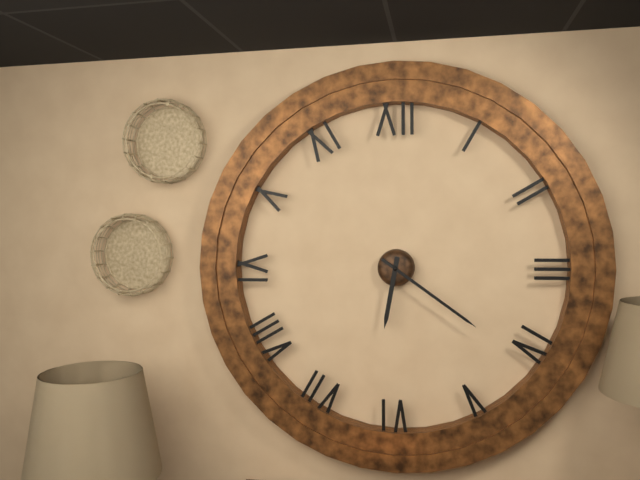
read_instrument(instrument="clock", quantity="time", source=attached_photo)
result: 6:21
